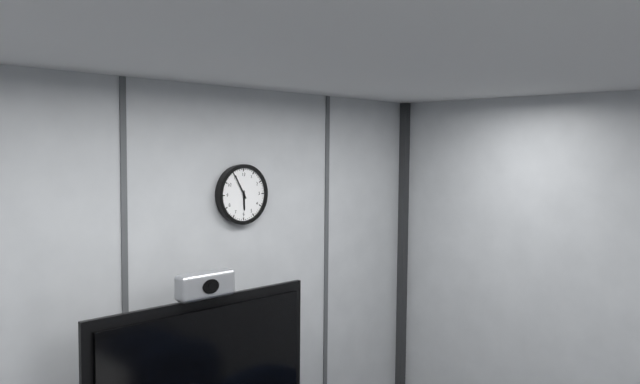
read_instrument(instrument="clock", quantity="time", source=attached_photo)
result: 5:55
